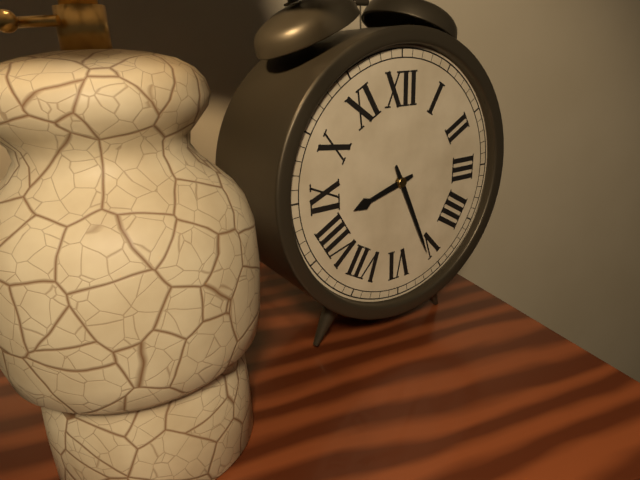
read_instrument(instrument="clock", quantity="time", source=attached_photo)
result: 8:26
